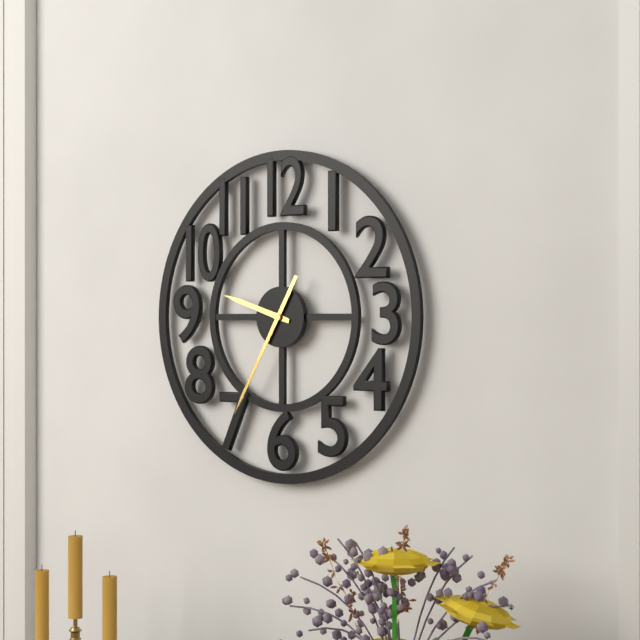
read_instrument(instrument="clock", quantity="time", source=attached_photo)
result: 9:35
